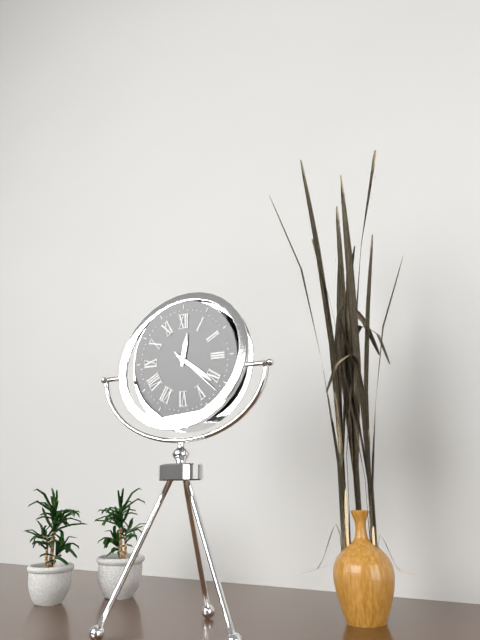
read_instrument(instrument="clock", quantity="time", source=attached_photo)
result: 12:21:22
